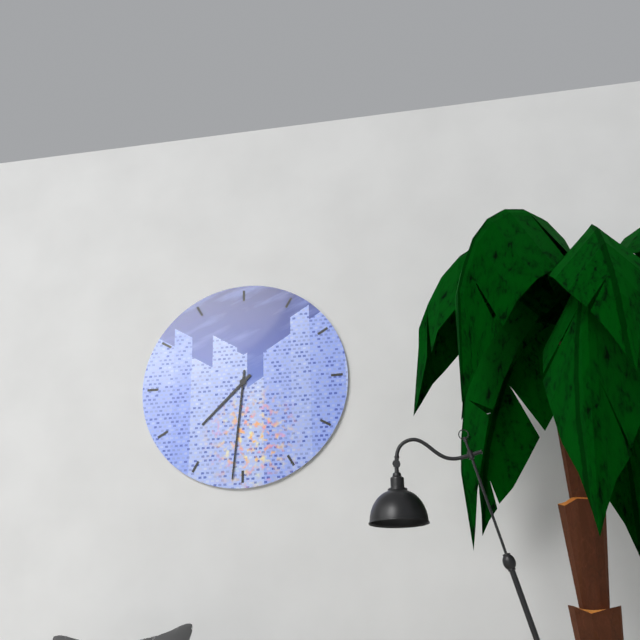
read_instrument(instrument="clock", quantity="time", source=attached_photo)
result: 7:31
